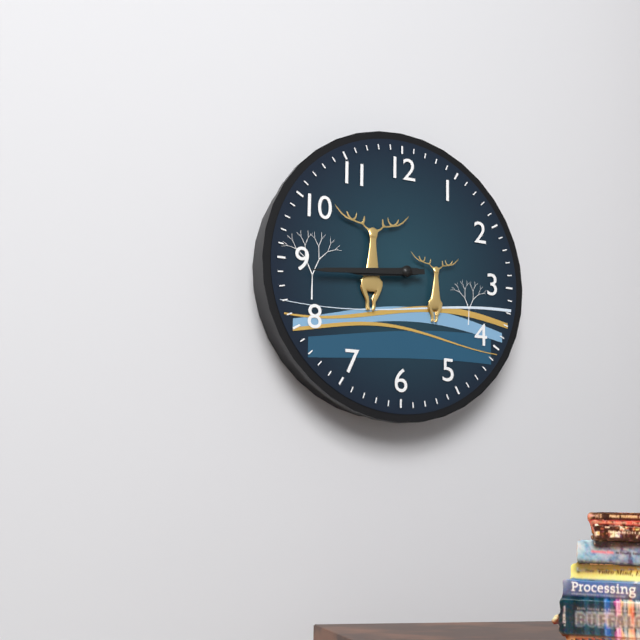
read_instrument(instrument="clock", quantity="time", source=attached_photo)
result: 8:44
